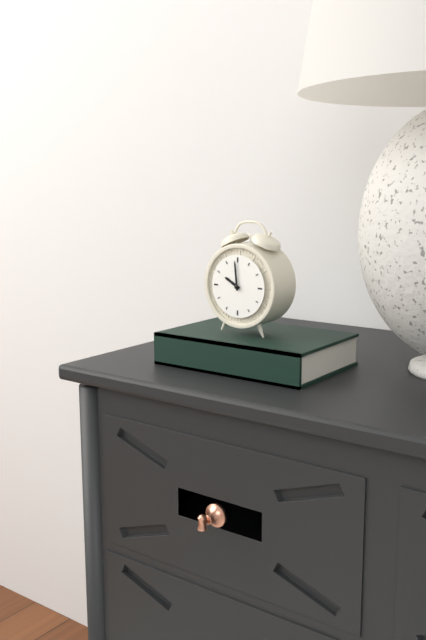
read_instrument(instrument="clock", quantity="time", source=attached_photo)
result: 9:59
